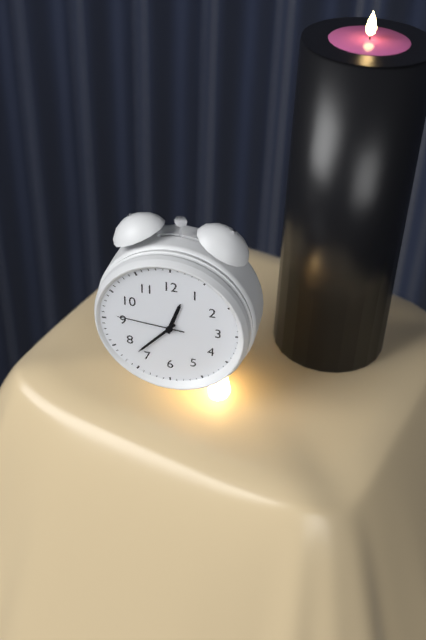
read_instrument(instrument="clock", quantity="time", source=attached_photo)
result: 12:37:46
